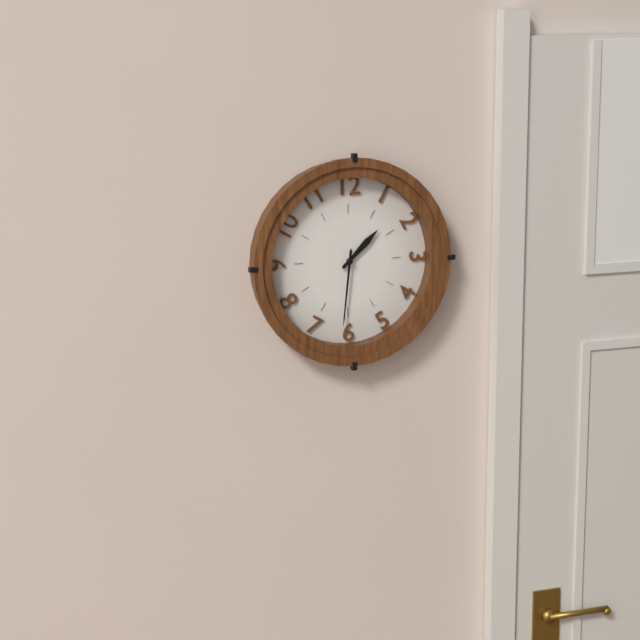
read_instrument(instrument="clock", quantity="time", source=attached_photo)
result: 1:31
